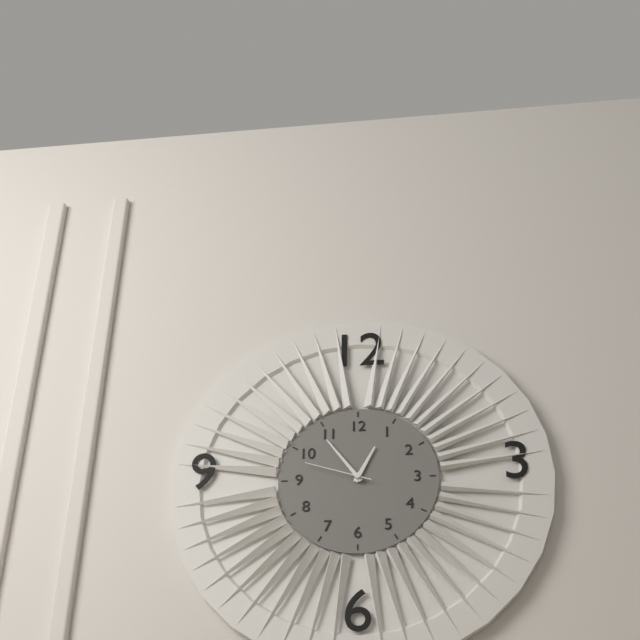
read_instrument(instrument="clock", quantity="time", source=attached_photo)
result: 12:54:48
